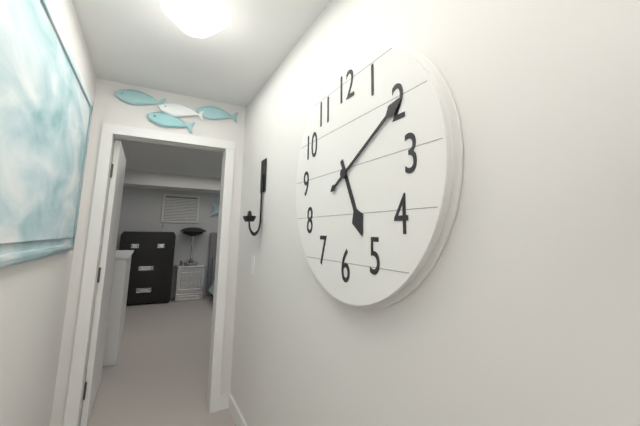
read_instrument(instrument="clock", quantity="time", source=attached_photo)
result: 5:10
